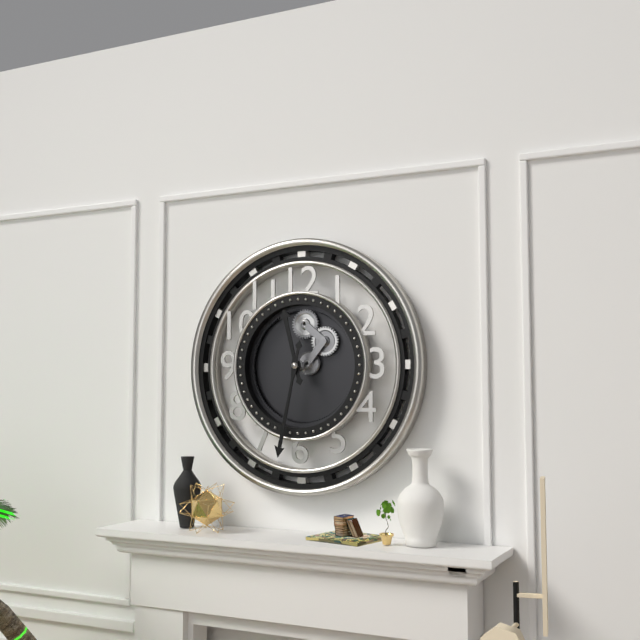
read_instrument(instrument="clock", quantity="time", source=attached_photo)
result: 11:32
